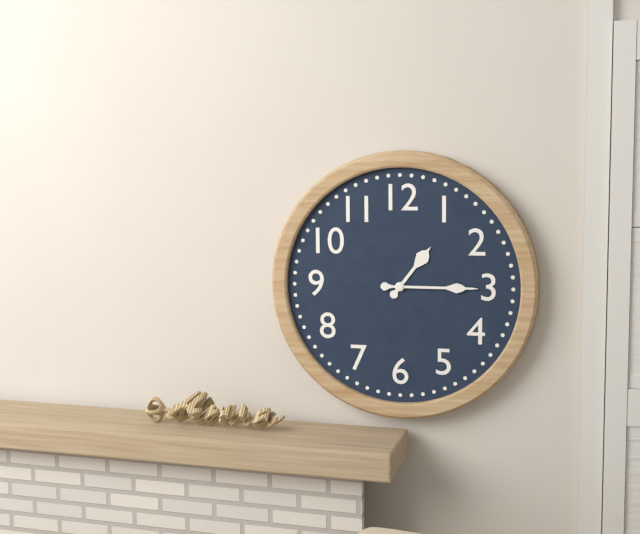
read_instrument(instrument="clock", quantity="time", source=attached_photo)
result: 1:15
